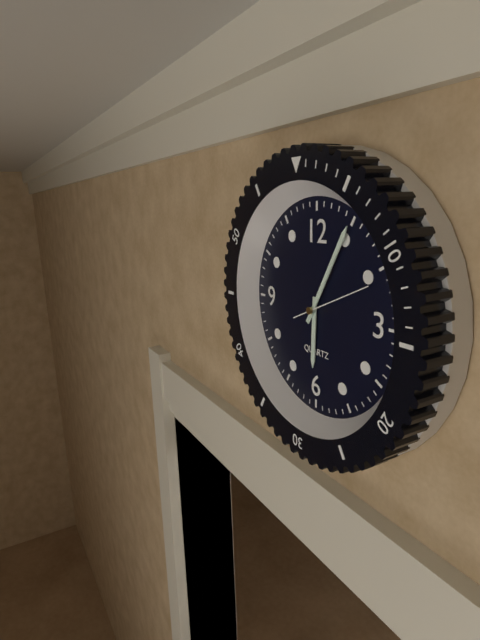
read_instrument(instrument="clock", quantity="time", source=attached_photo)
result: 6:05:11
